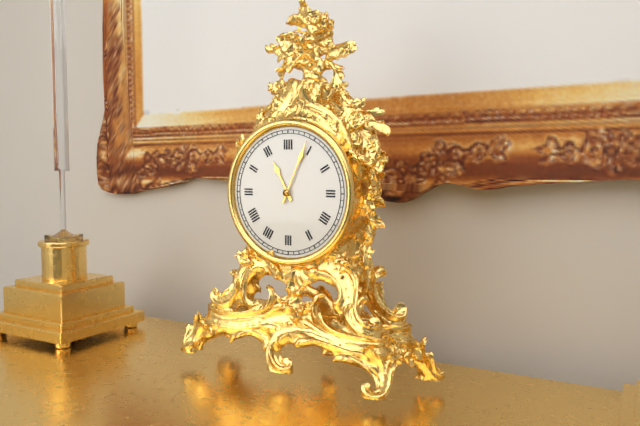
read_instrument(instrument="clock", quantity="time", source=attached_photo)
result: 11:04
